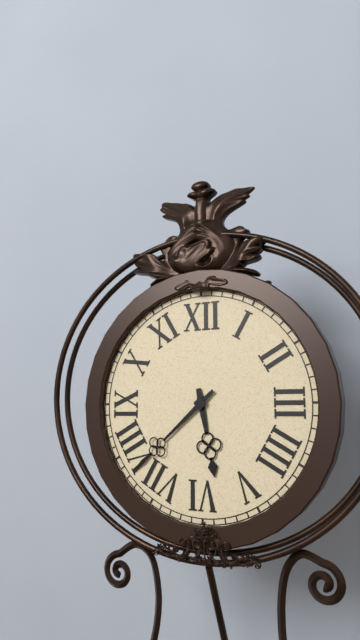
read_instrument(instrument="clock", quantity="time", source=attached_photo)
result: 5:38
